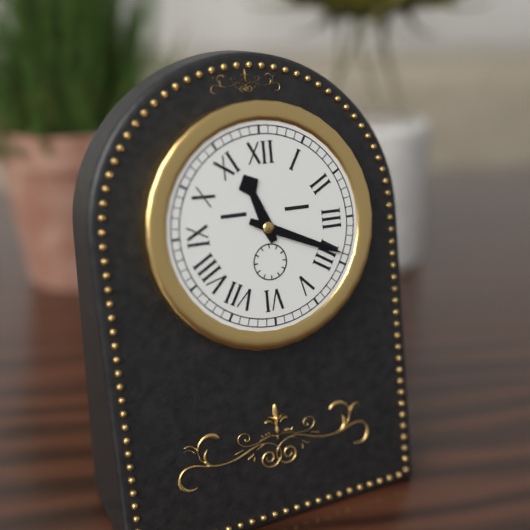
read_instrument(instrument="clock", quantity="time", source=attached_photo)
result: 11:19
